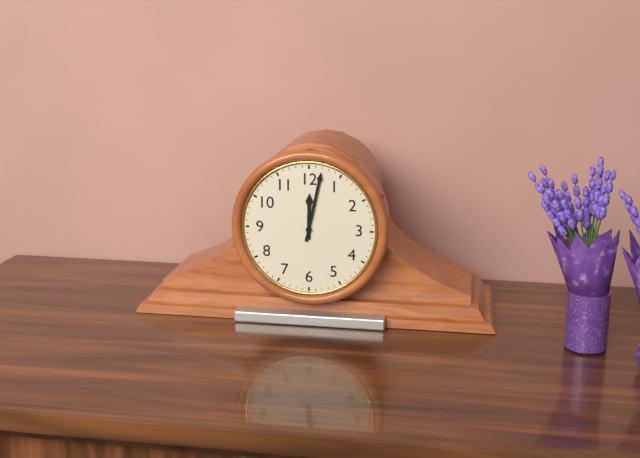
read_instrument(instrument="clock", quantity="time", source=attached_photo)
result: 12:02
